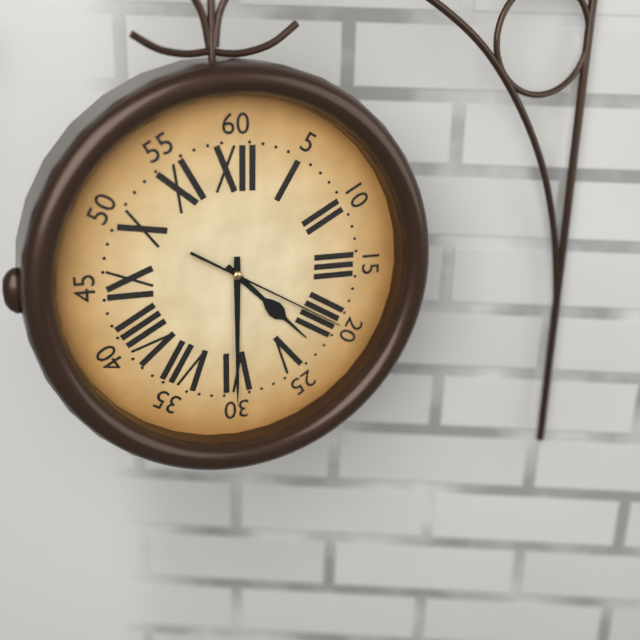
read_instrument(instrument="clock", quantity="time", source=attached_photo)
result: 4:30:20
